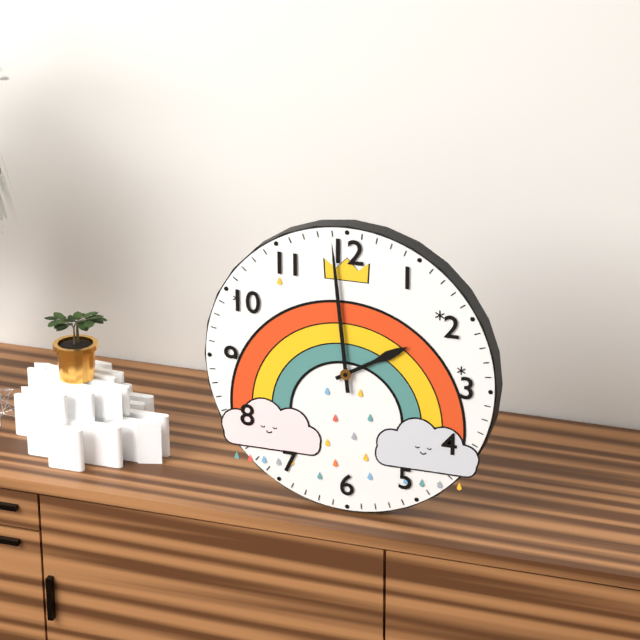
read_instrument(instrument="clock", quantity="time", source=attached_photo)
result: 1:59
